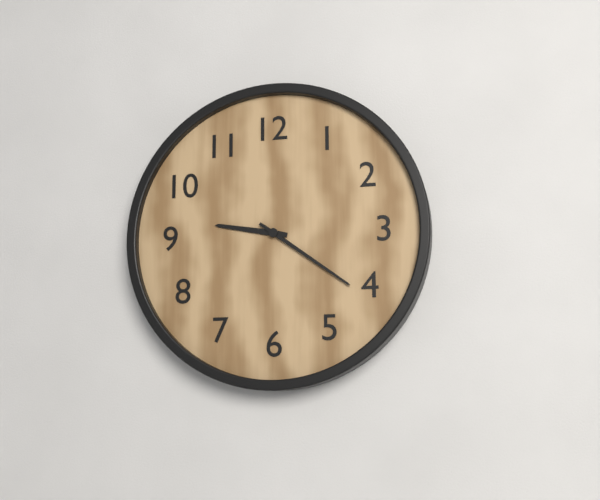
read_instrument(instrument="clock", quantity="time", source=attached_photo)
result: 9:21
